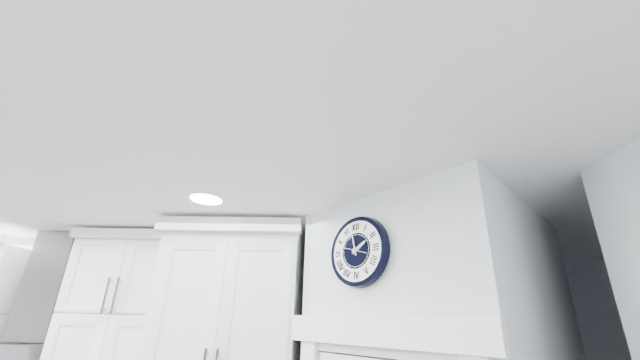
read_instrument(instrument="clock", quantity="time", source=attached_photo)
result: 1:58
